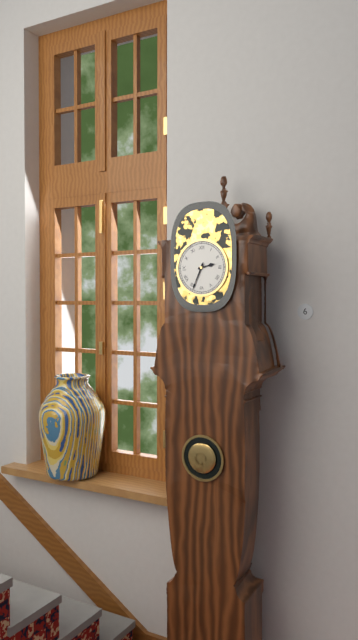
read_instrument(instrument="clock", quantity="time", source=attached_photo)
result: 2:34
